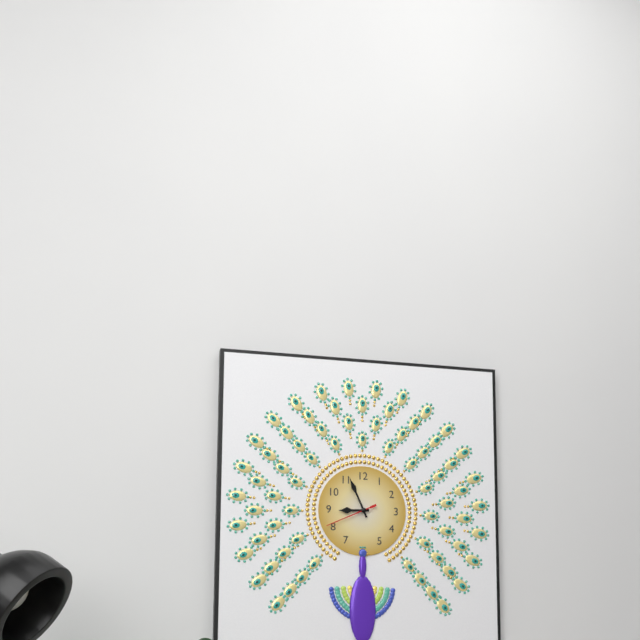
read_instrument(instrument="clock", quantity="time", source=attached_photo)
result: 8:56:41
